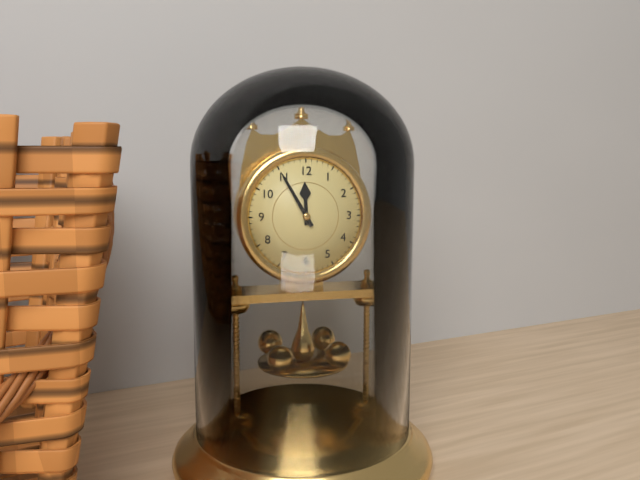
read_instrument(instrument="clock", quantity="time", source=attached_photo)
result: 11:55
